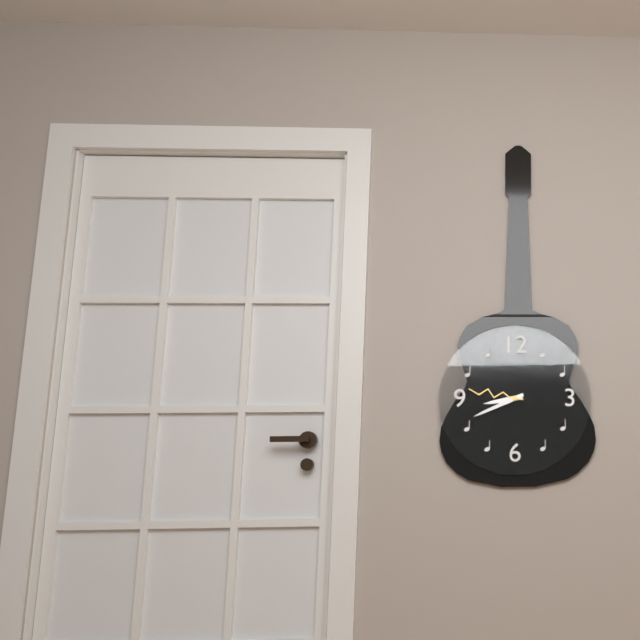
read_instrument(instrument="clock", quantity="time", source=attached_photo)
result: 8:41:47
